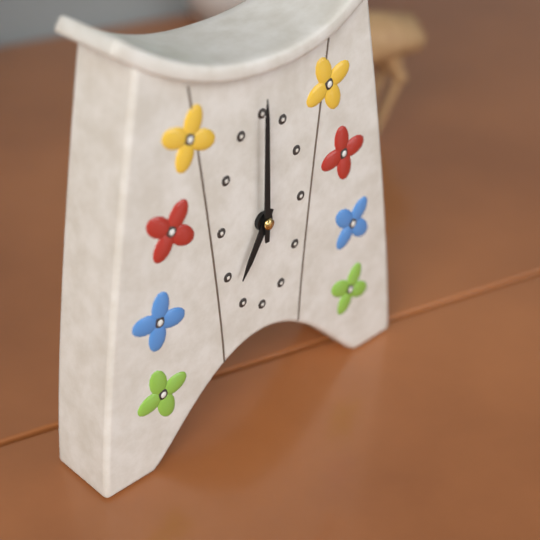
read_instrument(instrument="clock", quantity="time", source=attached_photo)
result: 7:00
